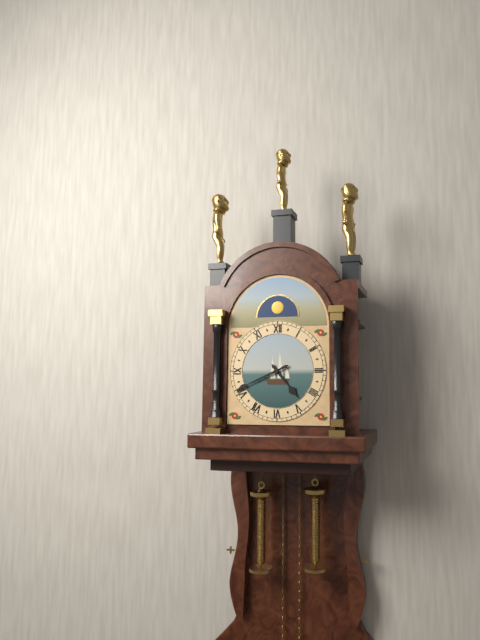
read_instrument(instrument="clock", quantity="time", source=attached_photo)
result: 4:41
